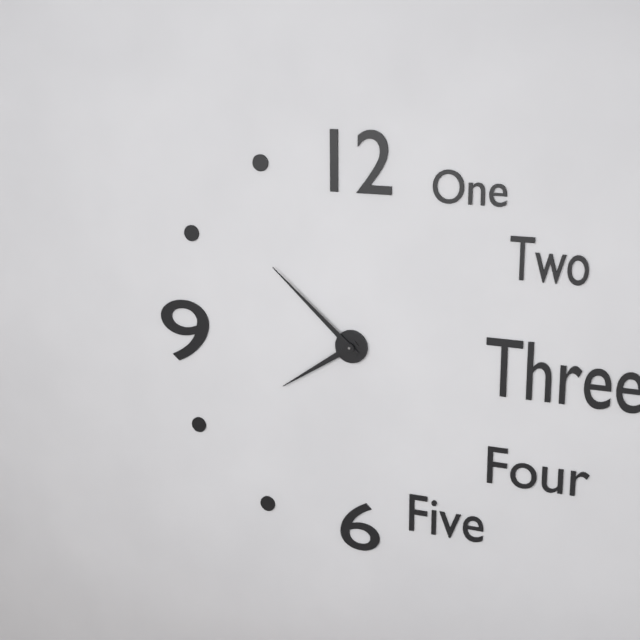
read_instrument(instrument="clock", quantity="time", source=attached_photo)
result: 7:52
